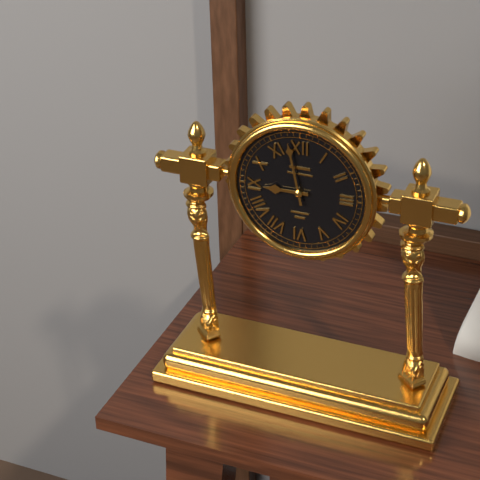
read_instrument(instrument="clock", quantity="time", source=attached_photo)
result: 8:58
